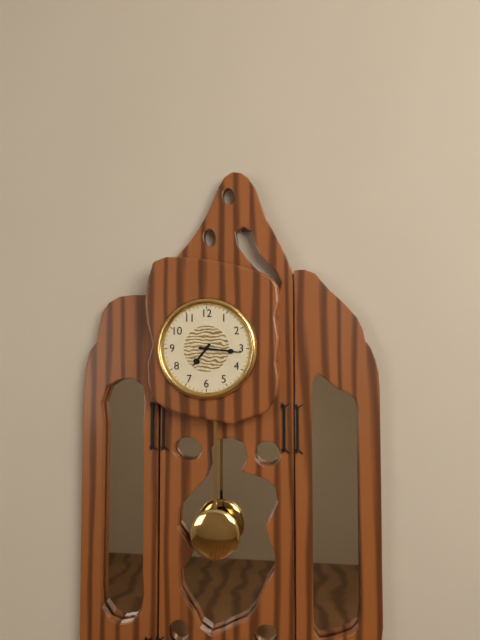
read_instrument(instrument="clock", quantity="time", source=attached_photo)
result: 7:16
